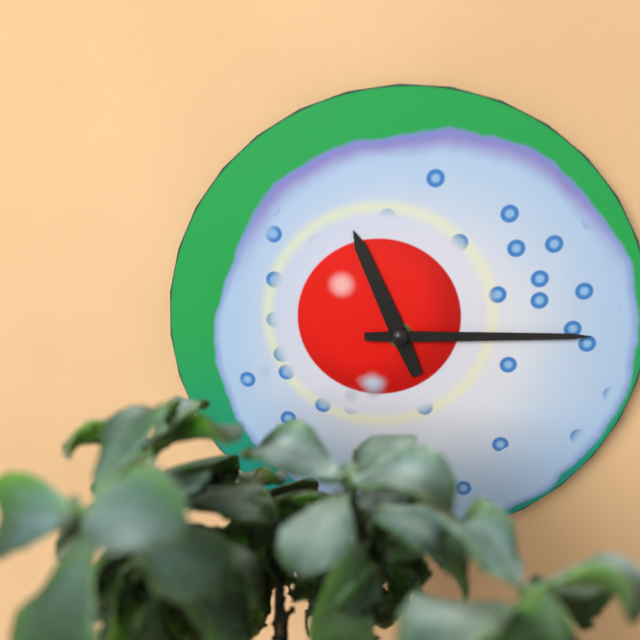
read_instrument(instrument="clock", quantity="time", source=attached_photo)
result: 11:15
